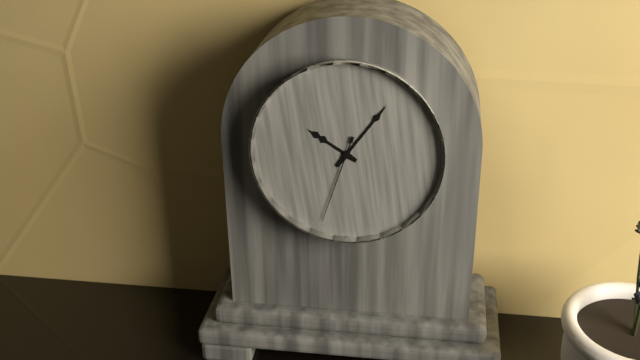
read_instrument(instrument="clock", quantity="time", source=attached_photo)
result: 10:06:33
